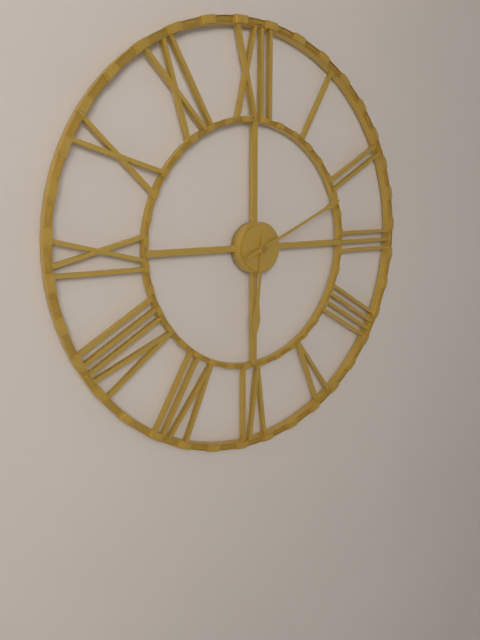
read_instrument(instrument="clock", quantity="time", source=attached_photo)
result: 6:11
